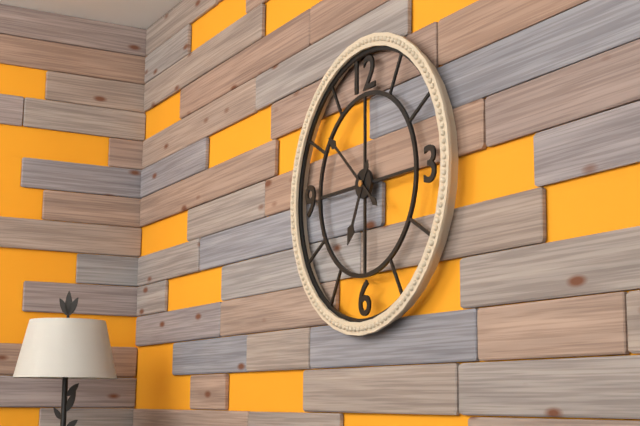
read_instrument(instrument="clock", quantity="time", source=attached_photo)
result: 6:52
